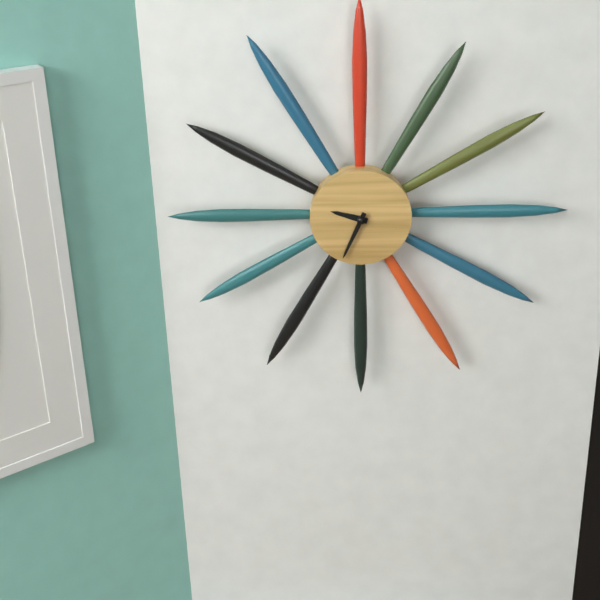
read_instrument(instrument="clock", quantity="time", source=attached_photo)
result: 9:34
